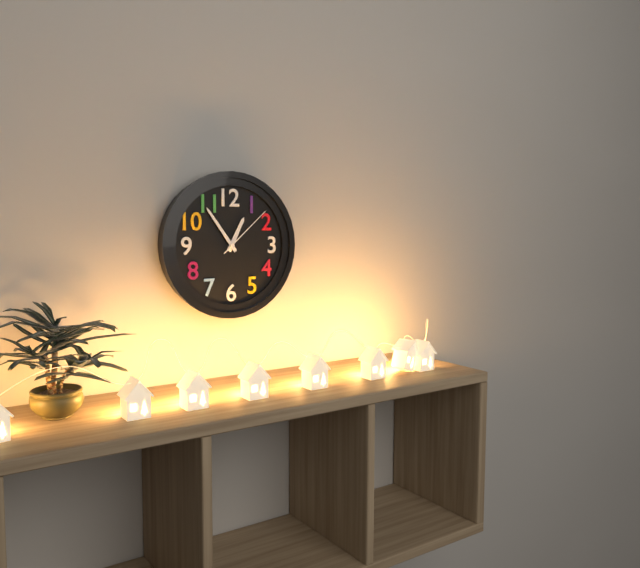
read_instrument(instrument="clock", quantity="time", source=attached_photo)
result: 12:54:08
